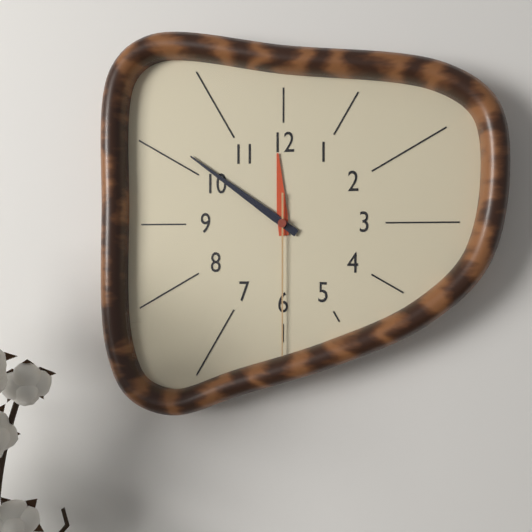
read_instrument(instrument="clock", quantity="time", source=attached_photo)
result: 11:51:30
